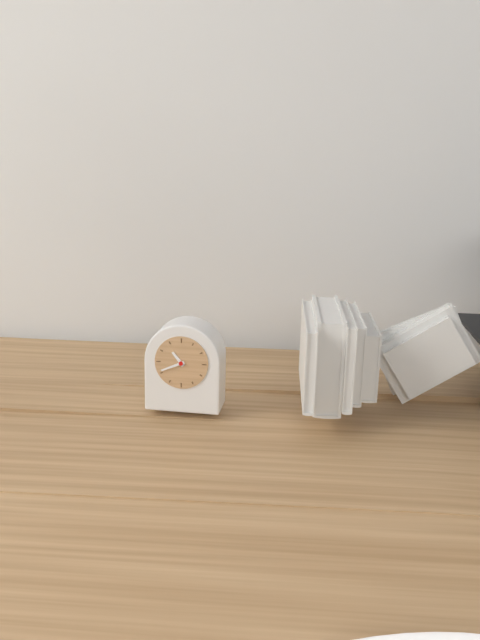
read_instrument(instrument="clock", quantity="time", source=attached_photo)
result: 10:41
